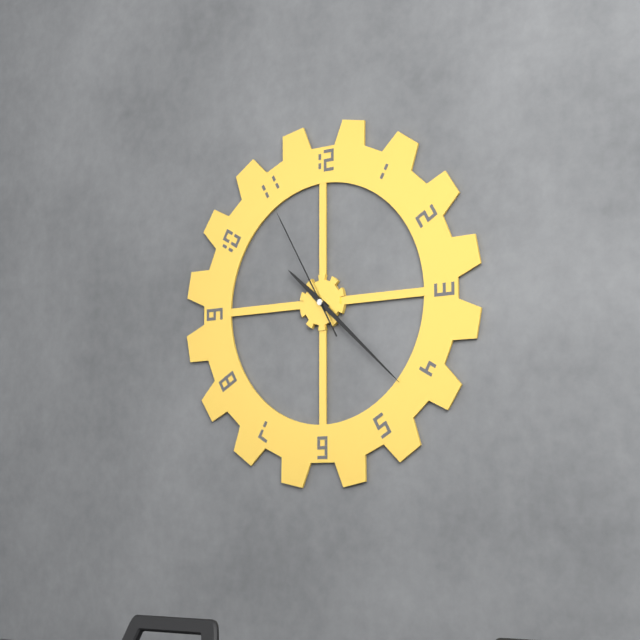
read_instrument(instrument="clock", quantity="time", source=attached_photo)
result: 10:22:55
